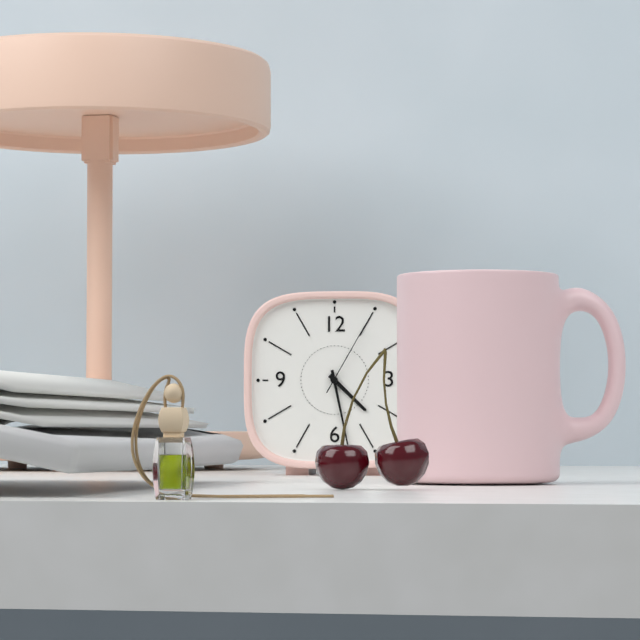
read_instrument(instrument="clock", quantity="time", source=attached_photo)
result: 4:28:05
